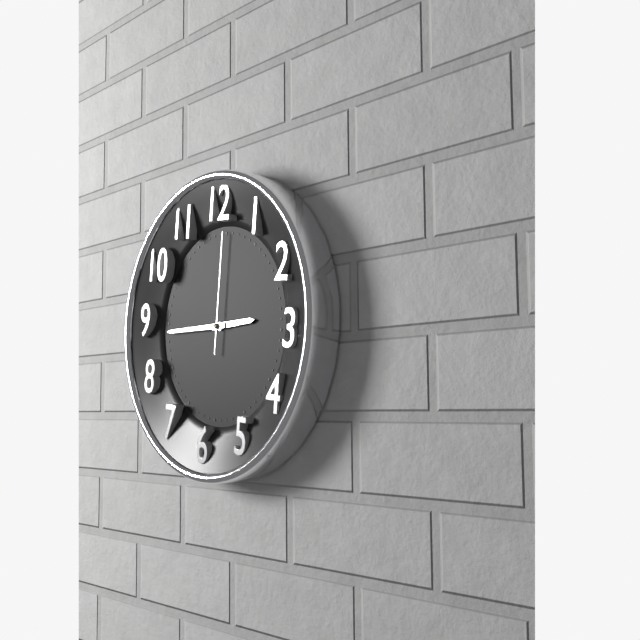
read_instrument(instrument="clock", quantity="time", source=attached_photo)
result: 2:44:00
